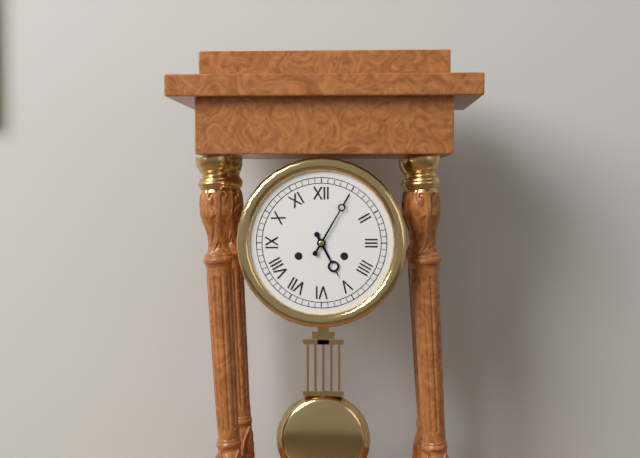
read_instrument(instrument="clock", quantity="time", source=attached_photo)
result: 5:05
